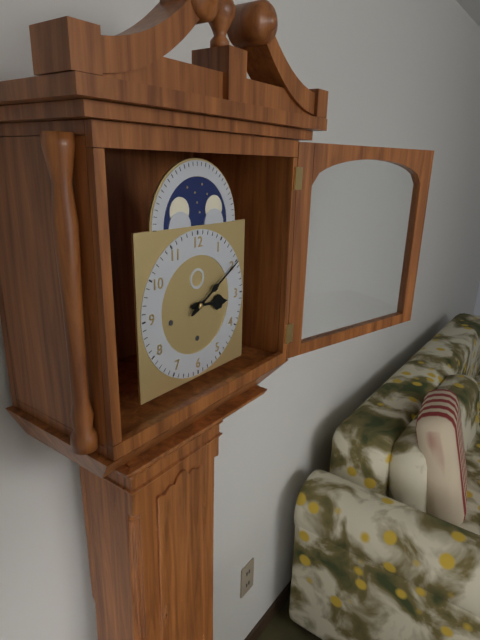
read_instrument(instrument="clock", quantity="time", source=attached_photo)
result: 3:10
